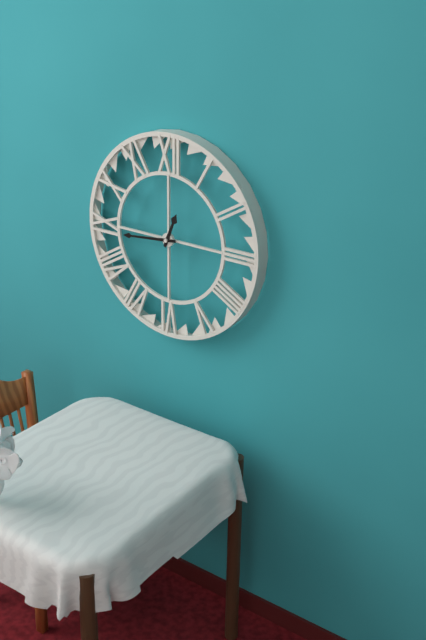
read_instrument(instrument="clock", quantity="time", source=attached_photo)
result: 12:44
